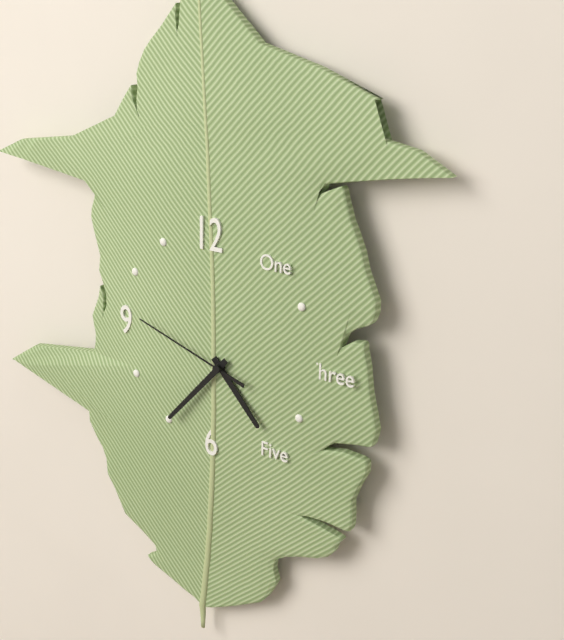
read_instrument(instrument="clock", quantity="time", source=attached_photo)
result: 4:37:48
